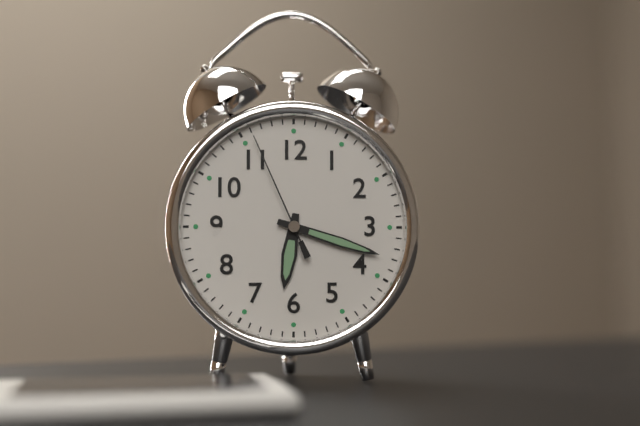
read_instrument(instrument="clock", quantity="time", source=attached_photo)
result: 6:18:56
